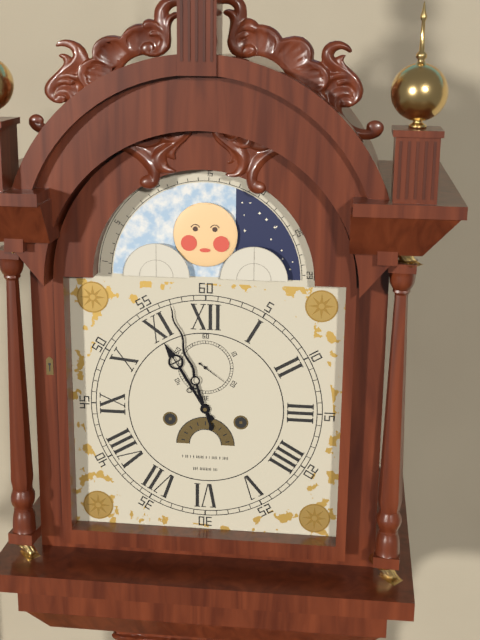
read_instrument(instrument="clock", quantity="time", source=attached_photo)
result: 10:57
